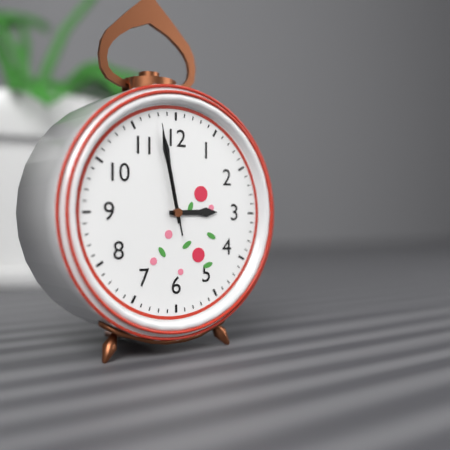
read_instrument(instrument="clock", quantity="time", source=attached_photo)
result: 2:58:58
